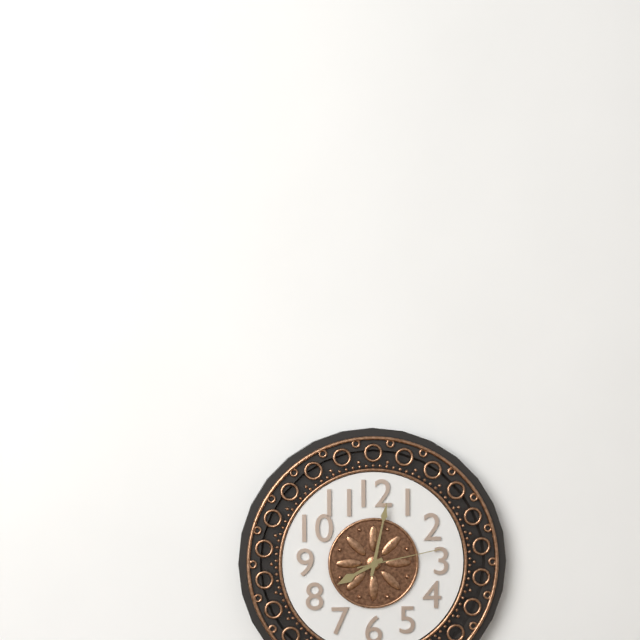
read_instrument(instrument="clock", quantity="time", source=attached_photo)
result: 8:02:13
